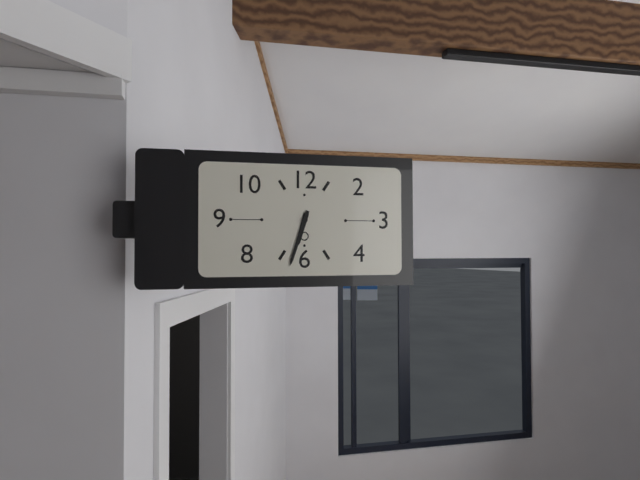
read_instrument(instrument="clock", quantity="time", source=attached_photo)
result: 6:33
